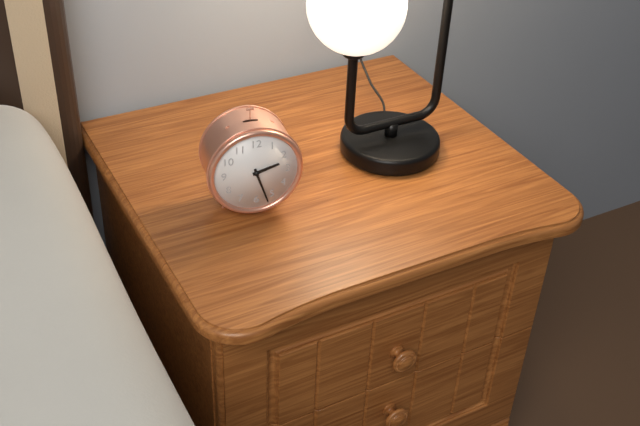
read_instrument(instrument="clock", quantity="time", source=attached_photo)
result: 2:27
